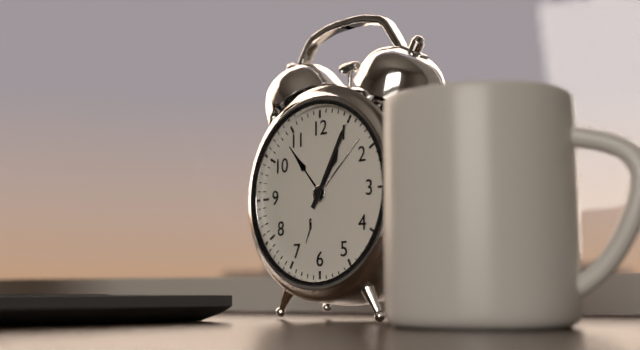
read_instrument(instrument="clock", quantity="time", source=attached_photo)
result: 1:05
